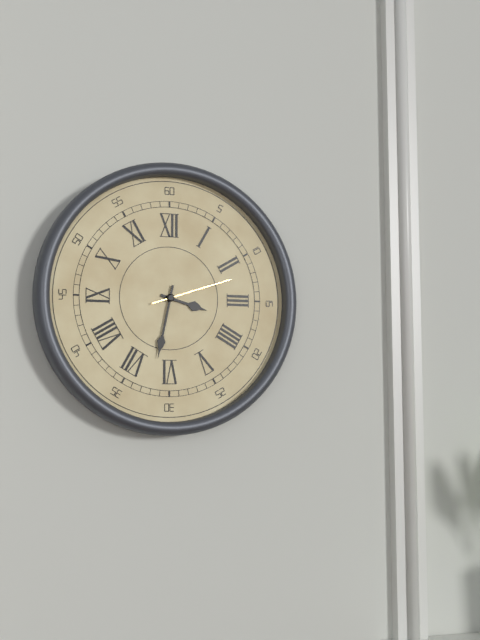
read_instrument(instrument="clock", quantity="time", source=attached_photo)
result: 3:32:12
